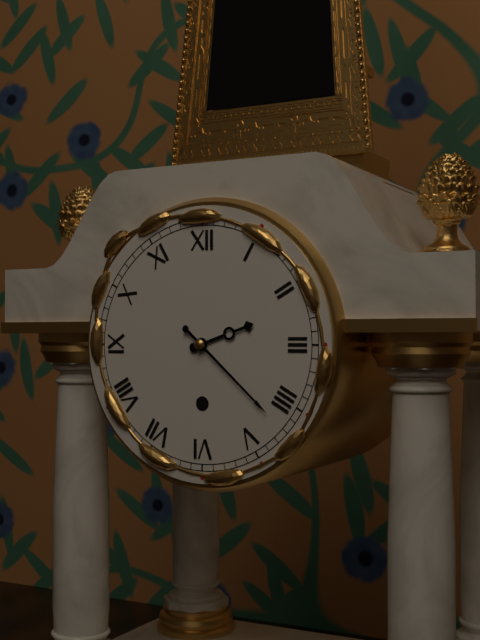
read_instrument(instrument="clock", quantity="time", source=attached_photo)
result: 2:22
